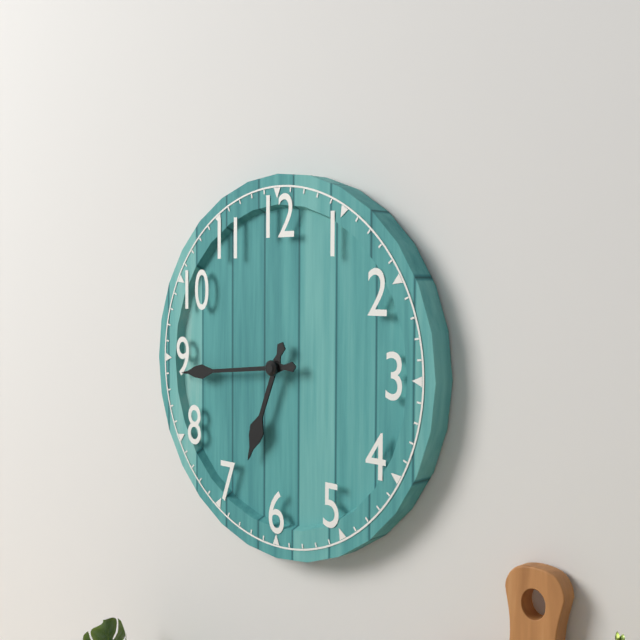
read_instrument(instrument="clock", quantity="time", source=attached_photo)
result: 6:44
